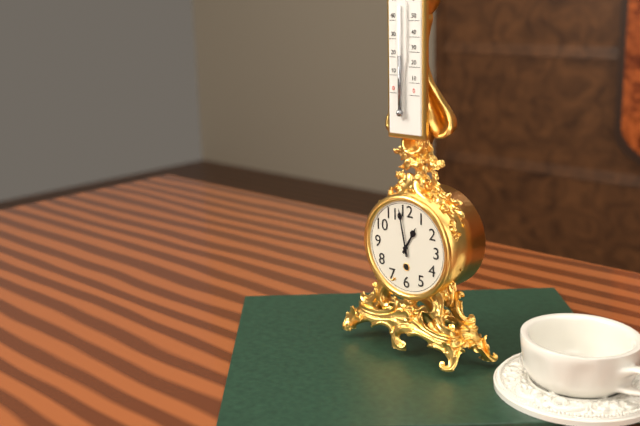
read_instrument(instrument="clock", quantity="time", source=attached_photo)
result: 12:58
